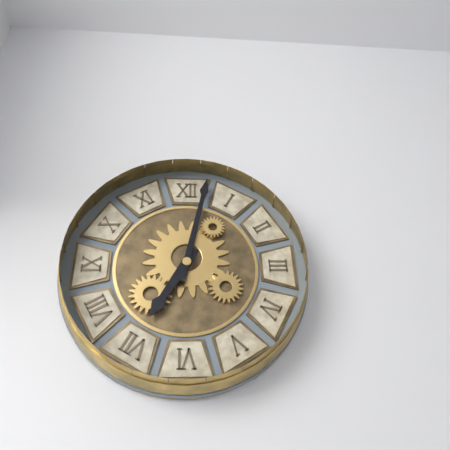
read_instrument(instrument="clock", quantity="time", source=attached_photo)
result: 7:02
